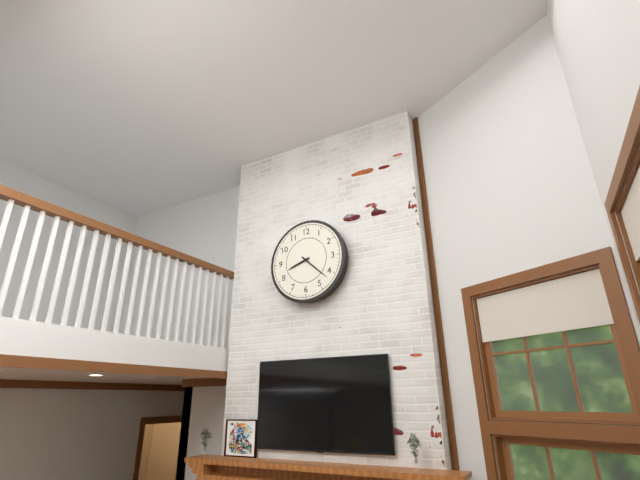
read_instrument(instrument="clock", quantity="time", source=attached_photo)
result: 8:22
